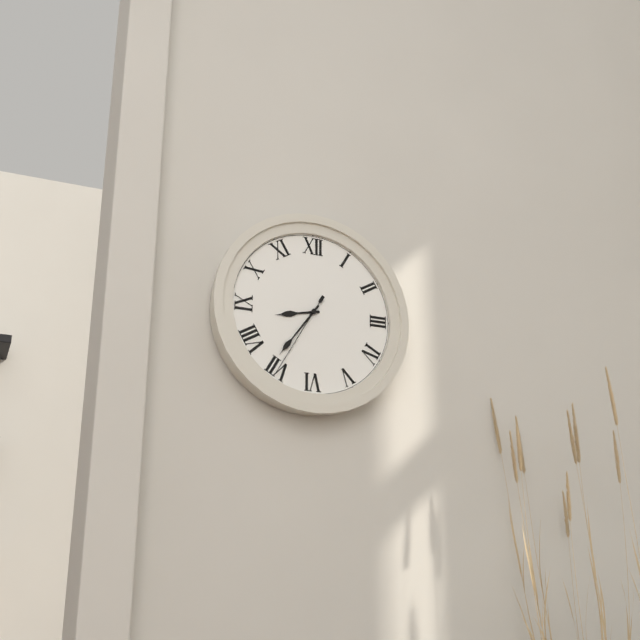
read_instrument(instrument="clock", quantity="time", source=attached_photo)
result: 8:36:35
